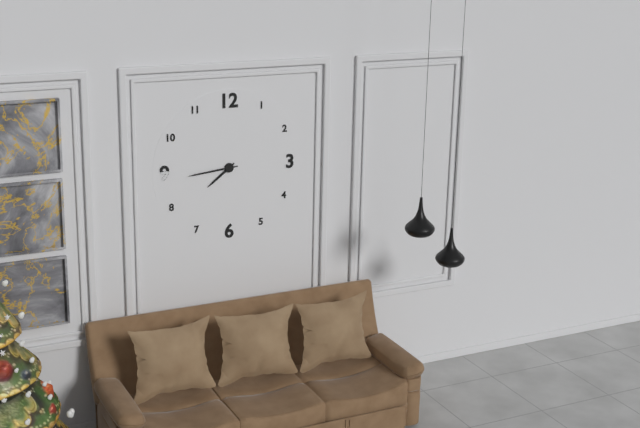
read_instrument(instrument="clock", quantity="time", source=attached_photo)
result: 7:44
